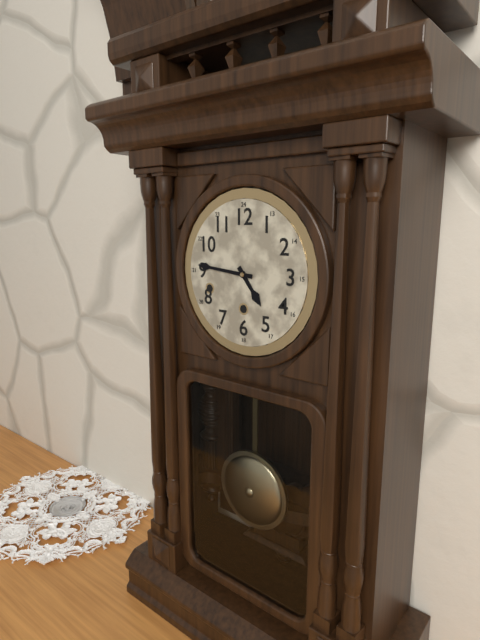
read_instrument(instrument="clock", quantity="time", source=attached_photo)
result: 4:46
